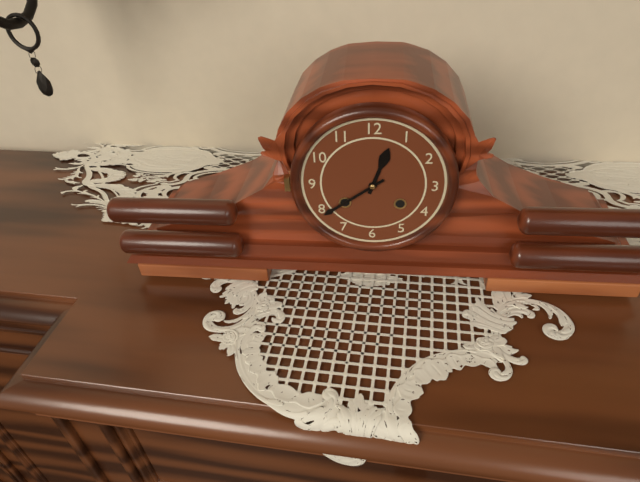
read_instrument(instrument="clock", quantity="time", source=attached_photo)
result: 12:39
